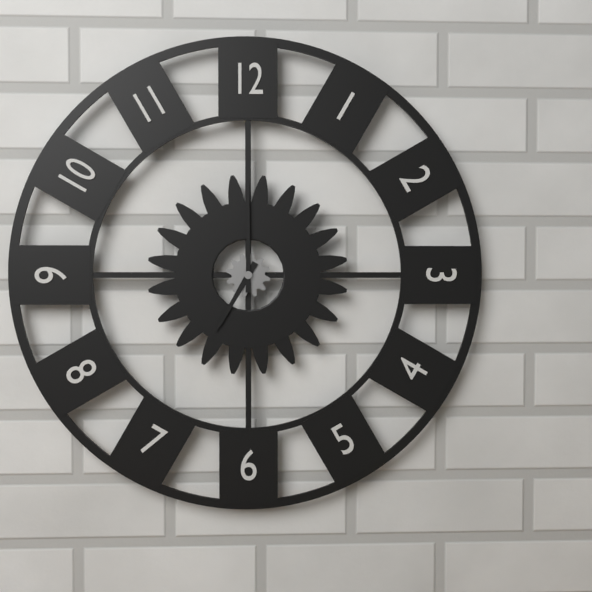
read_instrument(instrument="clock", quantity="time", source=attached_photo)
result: 7:00
